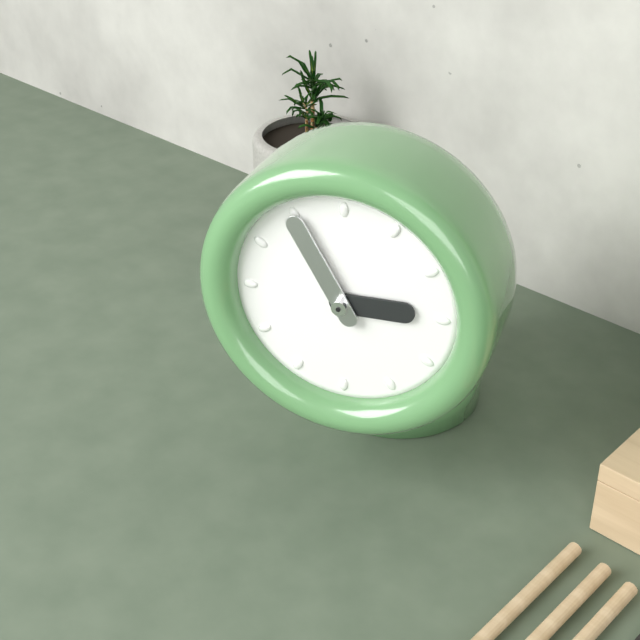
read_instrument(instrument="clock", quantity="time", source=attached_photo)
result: 2:55
